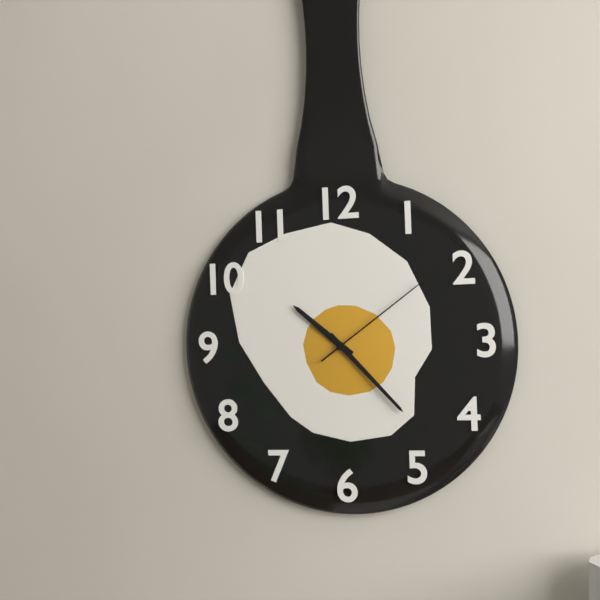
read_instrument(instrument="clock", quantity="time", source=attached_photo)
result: 10:23:09
